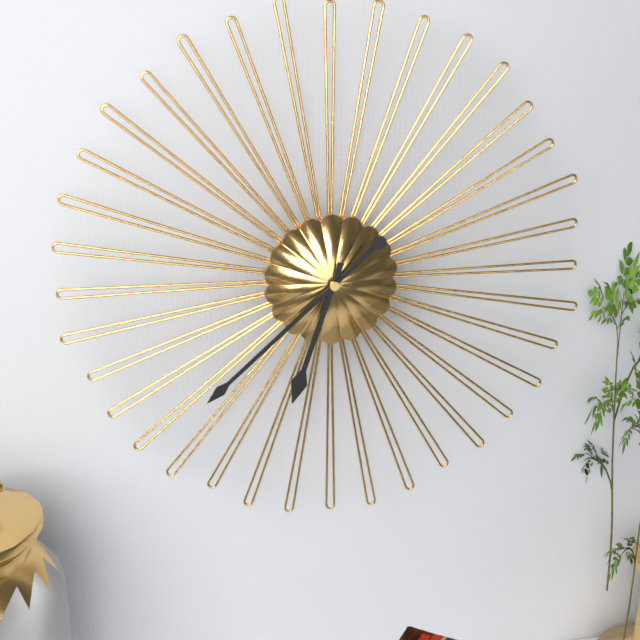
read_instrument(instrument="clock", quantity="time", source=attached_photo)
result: 6:38
